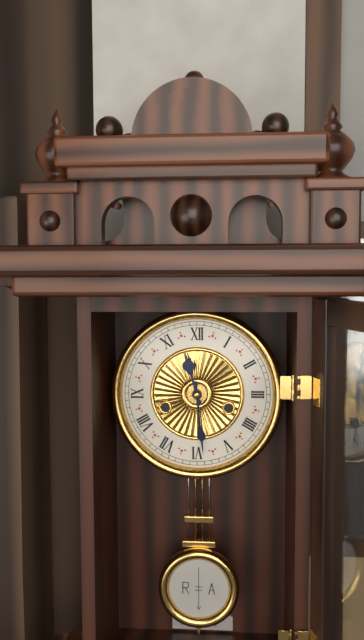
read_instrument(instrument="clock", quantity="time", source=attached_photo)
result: 11:29
